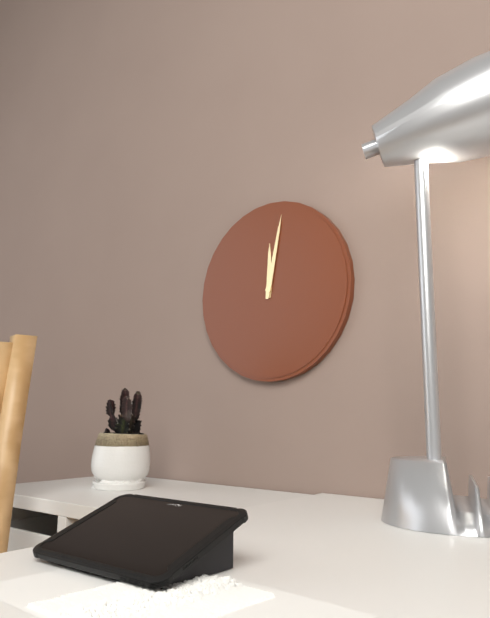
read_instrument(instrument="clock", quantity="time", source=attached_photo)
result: 12:02
